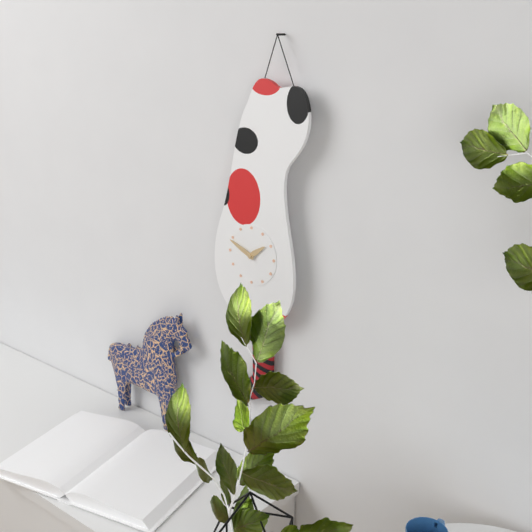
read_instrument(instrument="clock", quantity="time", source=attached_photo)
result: 1:49
